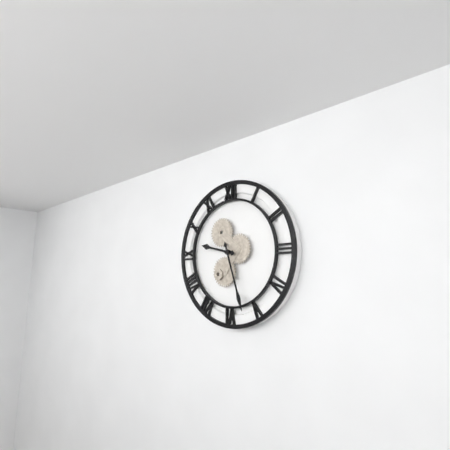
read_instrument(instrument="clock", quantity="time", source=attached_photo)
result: 9:27
